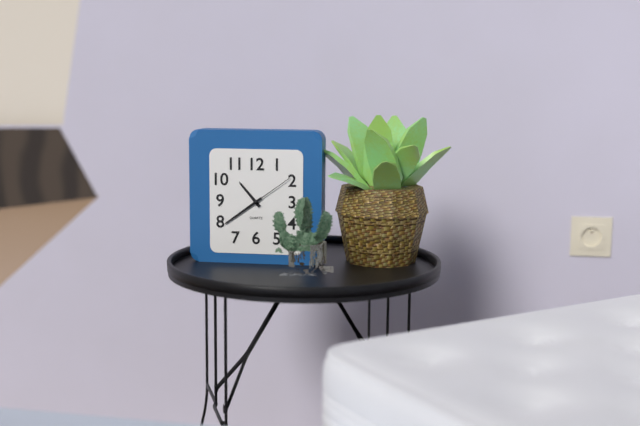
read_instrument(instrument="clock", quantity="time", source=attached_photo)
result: 10:39:09
